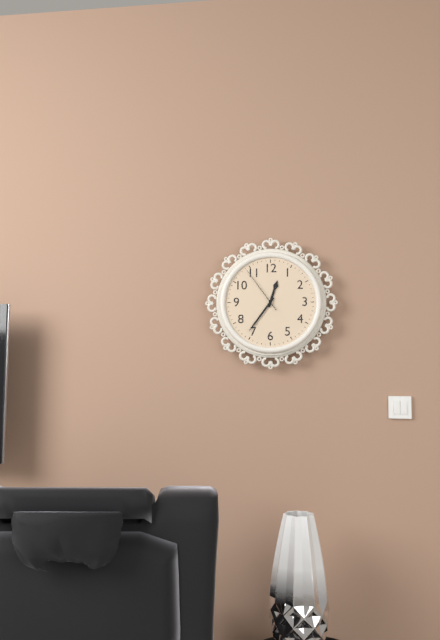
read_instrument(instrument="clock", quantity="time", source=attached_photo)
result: 12:36
